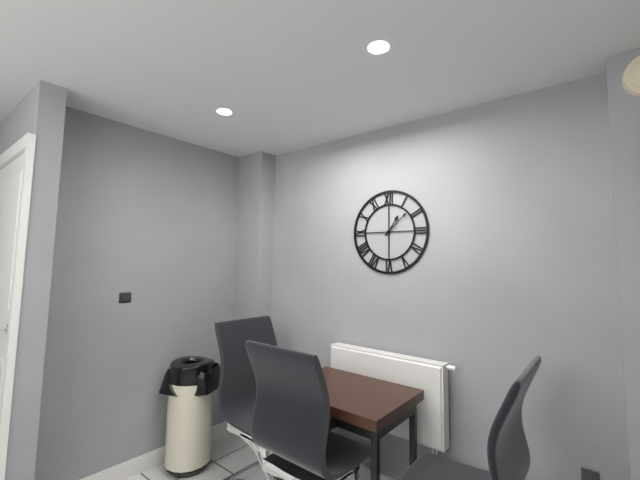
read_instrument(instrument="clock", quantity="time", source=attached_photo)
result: 1:08
